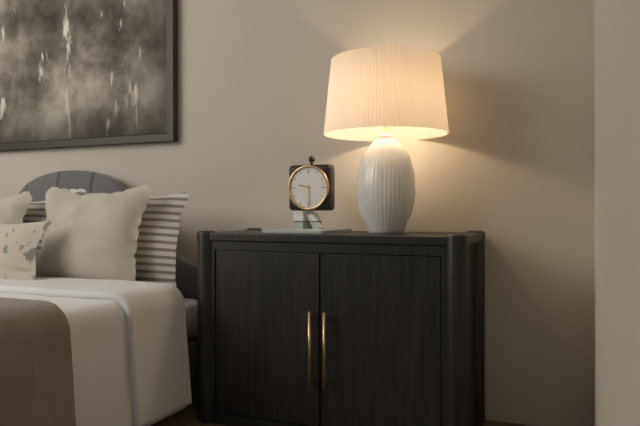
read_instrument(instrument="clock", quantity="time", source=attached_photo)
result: 9:29
